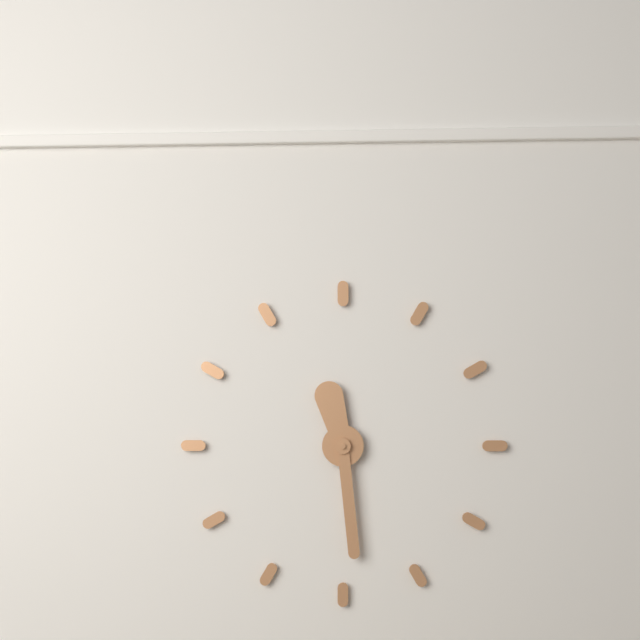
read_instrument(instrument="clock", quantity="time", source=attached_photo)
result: 11:29
